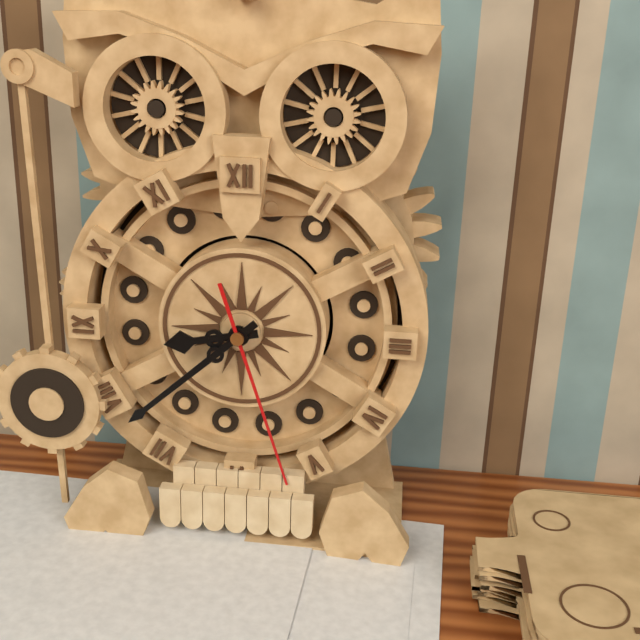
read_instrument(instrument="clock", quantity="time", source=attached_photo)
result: 8:38:27
